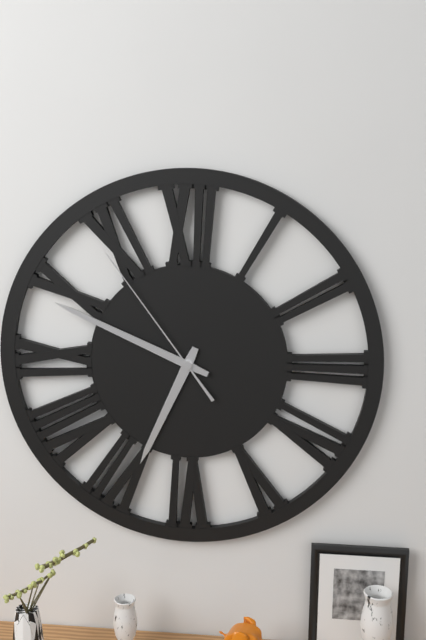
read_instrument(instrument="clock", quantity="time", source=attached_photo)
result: 6:49:54
